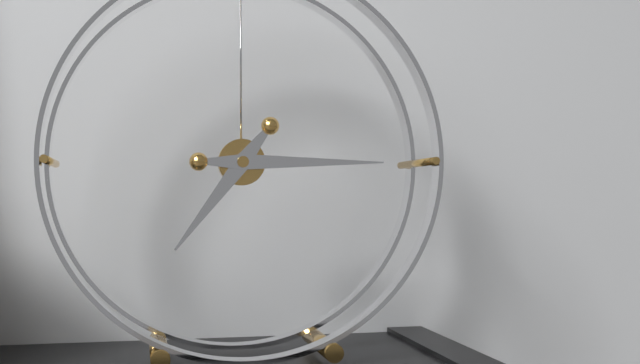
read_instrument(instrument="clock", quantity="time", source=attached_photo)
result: 7:15
